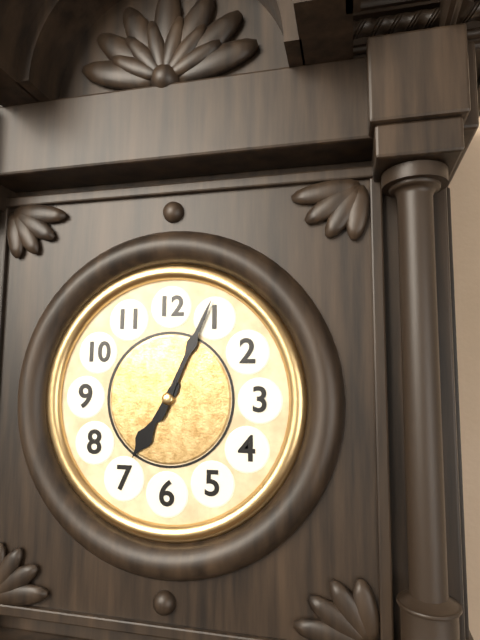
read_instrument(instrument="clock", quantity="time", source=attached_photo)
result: 7:04
